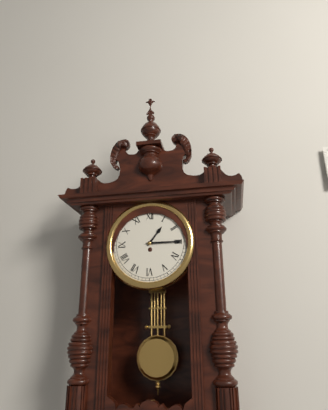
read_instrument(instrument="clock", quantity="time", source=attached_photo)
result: 1:15
